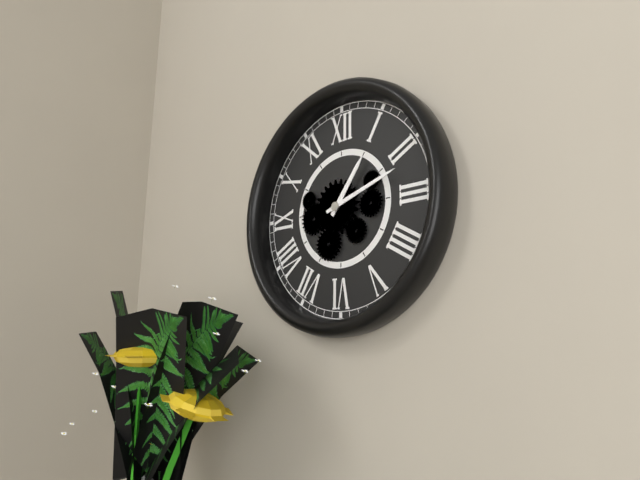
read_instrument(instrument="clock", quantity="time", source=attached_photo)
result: 1:12
